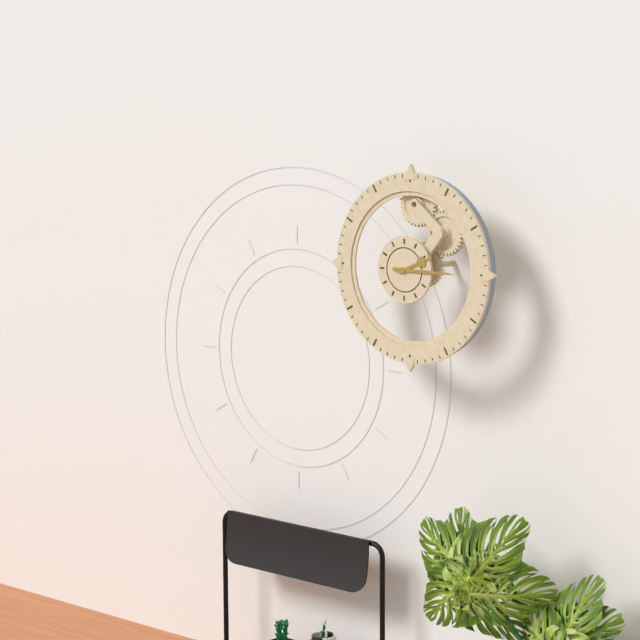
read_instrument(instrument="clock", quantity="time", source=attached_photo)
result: 2:15
